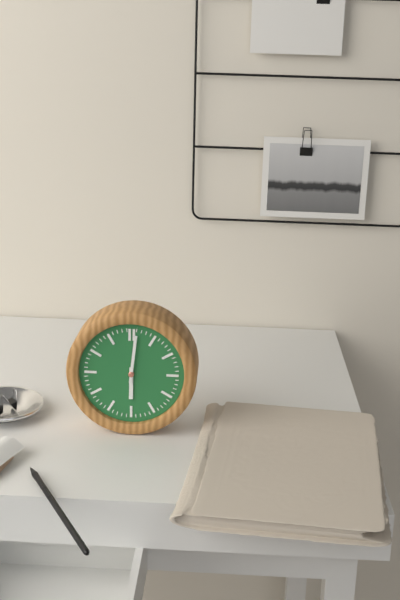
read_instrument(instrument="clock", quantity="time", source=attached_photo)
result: 6:01
